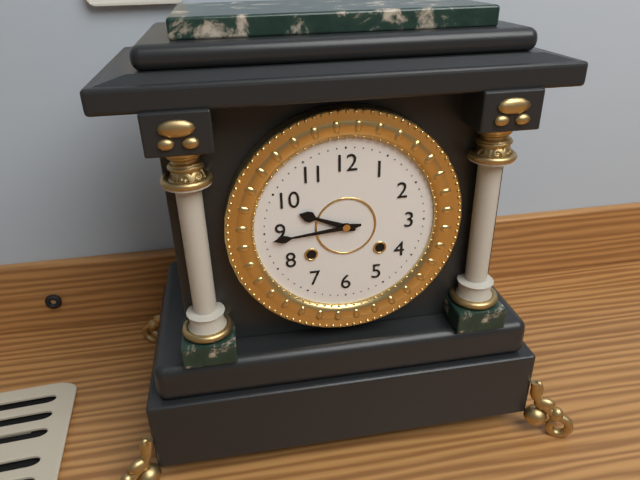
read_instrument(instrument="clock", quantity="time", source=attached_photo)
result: 9:44
